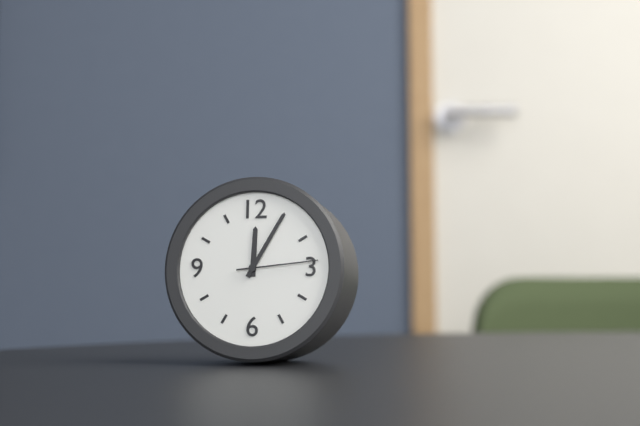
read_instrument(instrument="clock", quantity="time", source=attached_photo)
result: 12:05:14
